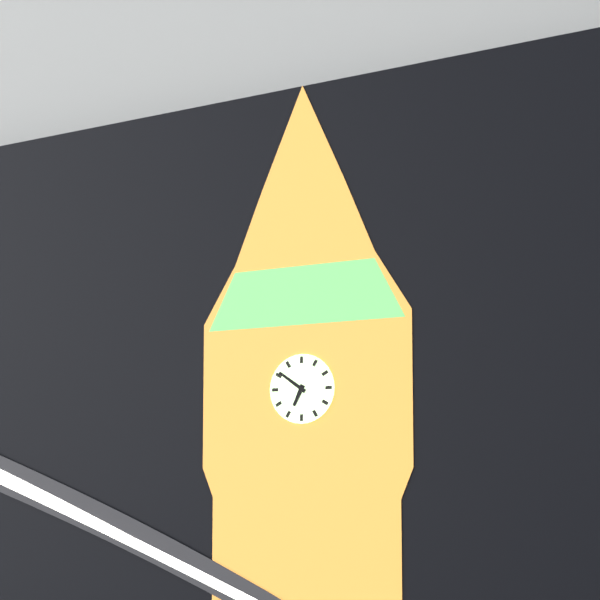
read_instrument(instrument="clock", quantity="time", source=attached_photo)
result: 6:51
